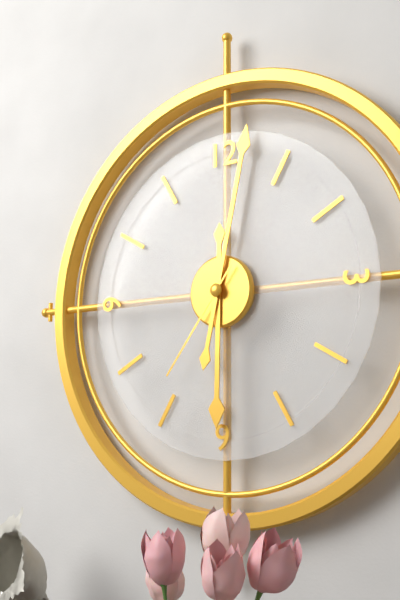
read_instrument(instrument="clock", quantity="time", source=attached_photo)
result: 6:02:36
